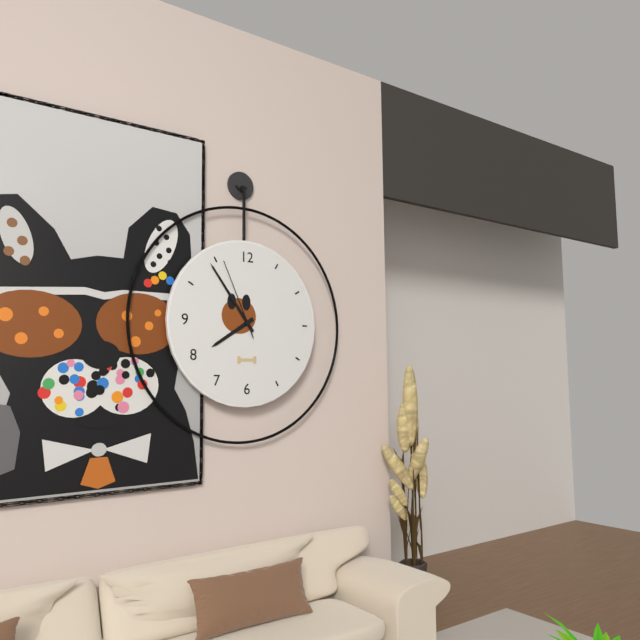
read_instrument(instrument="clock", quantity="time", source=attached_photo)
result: 7:54:56
